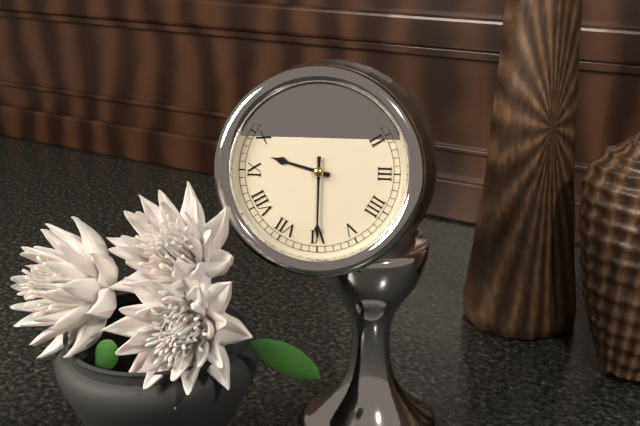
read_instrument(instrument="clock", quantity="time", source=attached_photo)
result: 9:30
